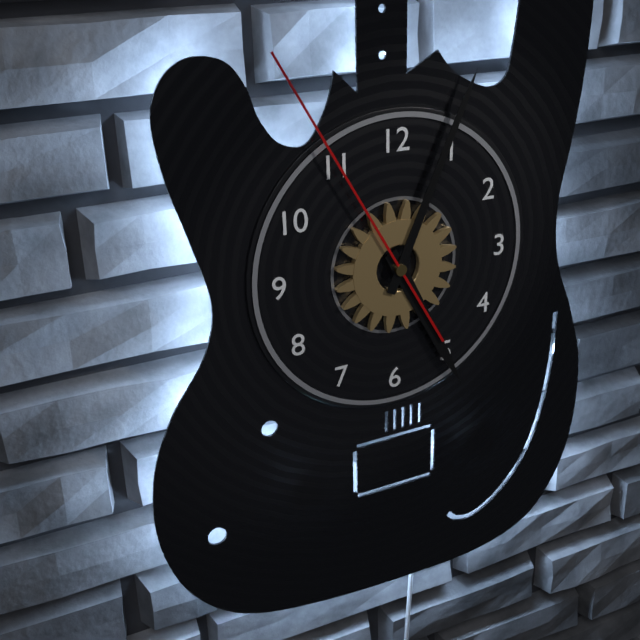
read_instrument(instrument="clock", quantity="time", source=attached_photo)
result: 5:04:55
